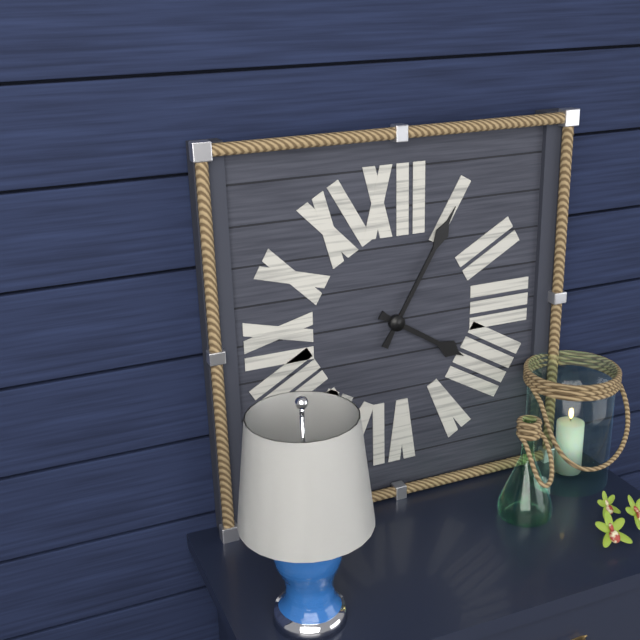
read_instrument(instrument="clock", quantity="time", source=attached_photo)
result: 4:05
